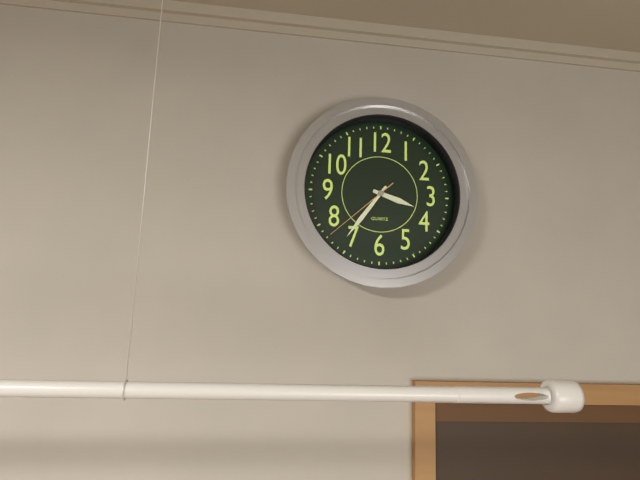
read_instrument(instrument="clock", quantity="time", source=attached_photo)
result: 3:36:38
